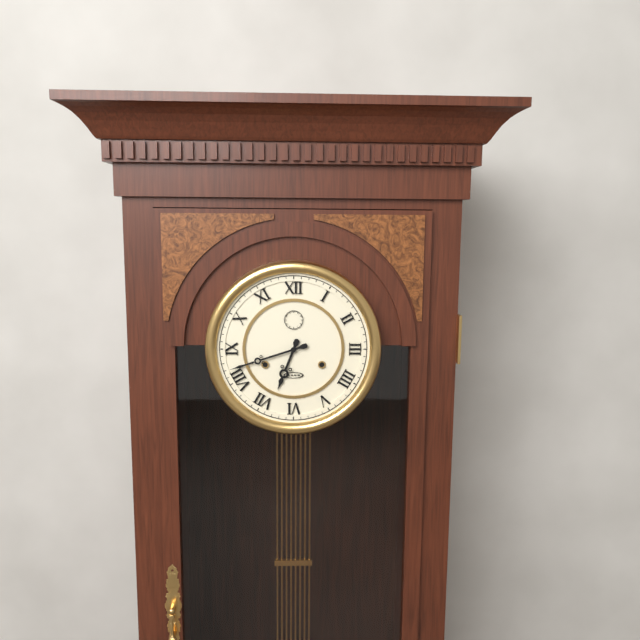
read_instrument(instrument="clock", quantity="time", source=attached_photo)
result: 6:42
